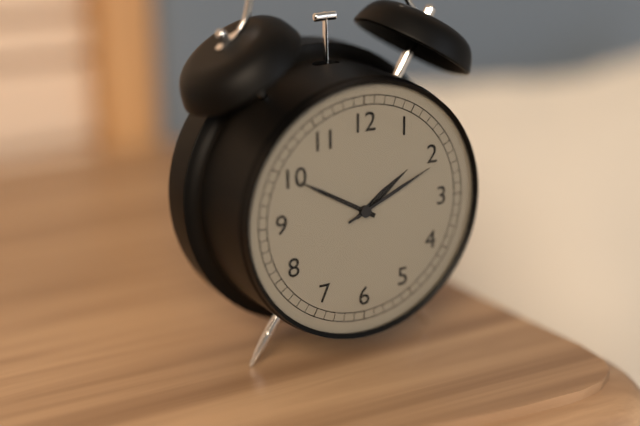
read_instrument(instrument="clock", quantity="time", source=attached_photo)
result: 1:50:11
